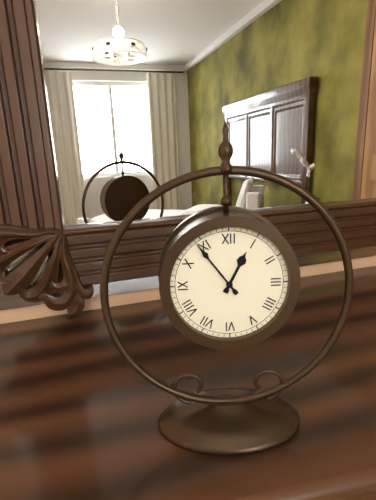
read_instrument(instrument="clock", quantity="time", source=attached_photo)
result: 12:54
